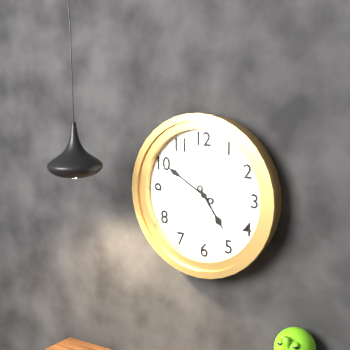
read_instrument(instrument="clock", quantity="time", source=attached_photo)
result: 4:50
